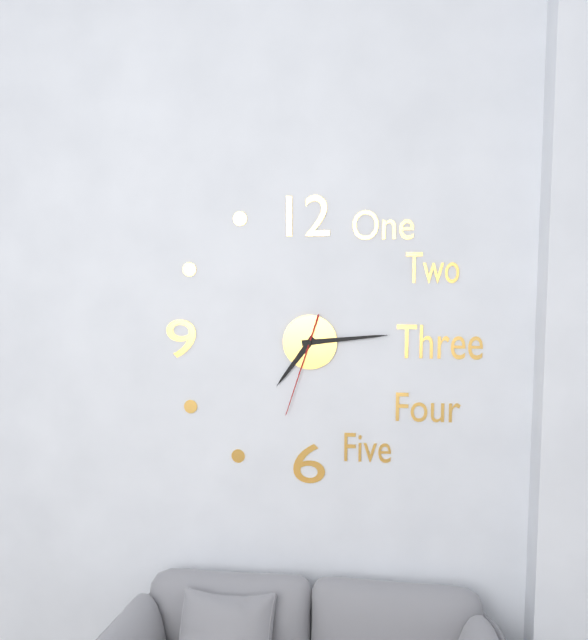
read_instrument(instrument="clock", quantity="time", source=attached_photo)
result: 7:14:33
